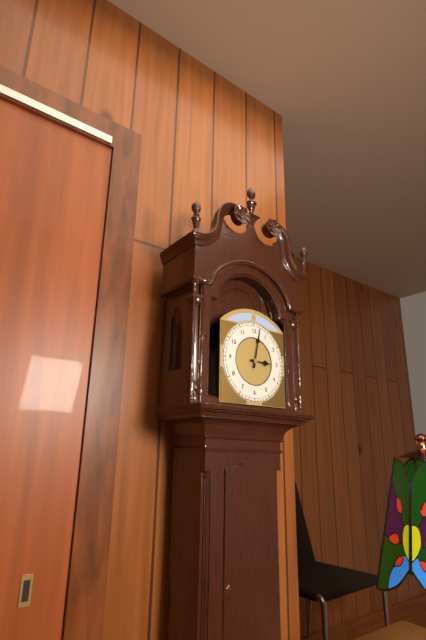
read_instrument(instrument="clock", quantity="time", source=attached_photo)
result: 3:02
